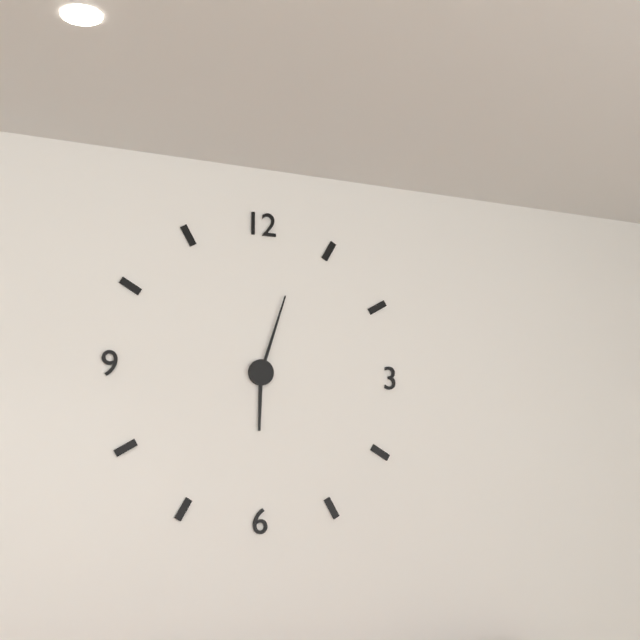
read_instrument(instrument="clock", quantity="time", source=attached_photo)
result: 6:03
